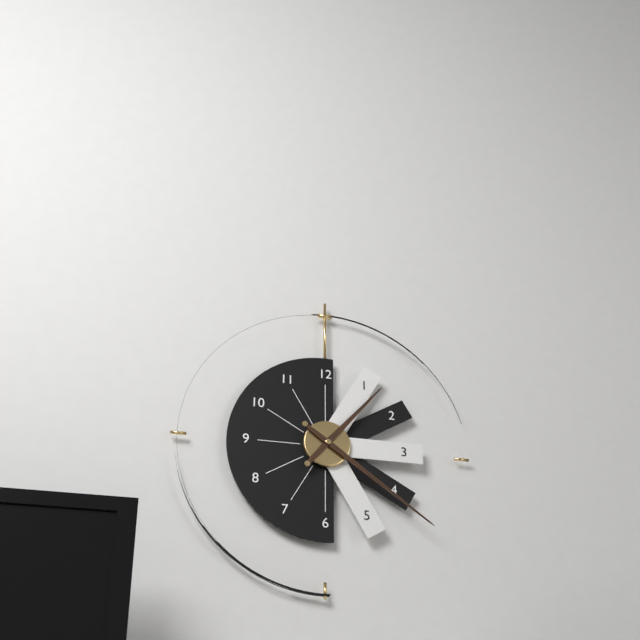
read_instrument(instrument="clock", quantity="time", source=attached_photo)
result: 1:21
